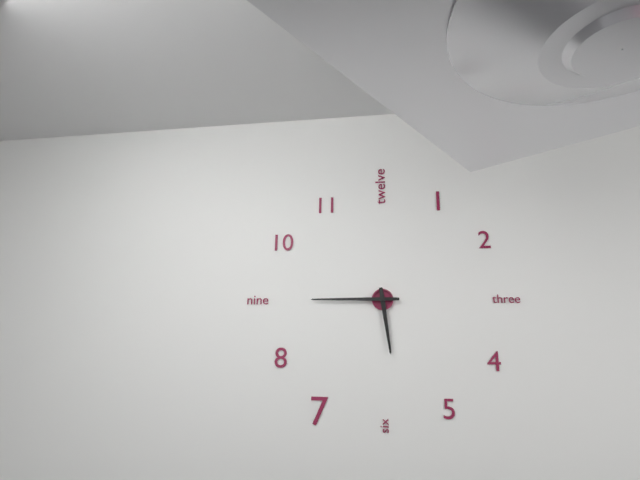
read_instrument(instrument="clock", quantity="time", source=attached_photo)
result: 5:45
